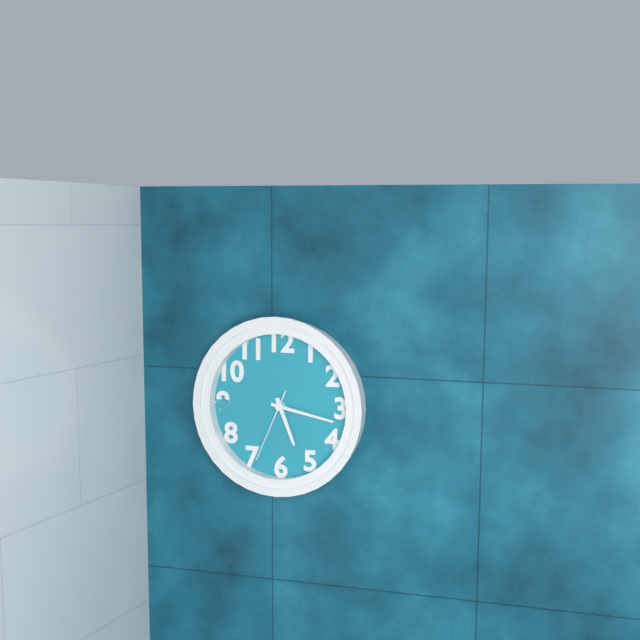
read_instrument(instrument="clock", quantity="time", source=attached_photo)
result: 5:17:34
